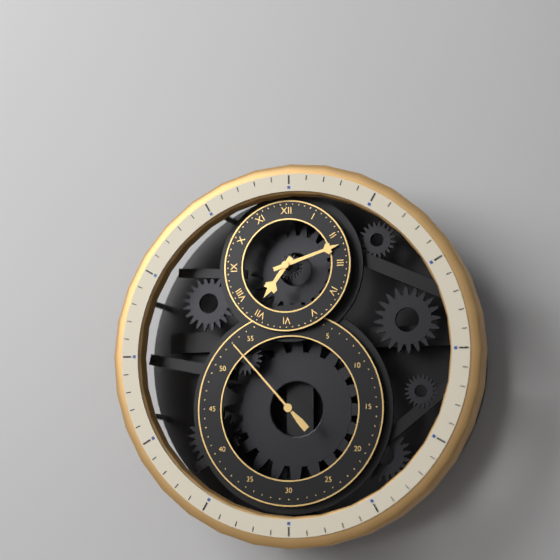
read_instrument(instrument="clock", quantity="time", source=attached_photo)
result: 7:12:53
